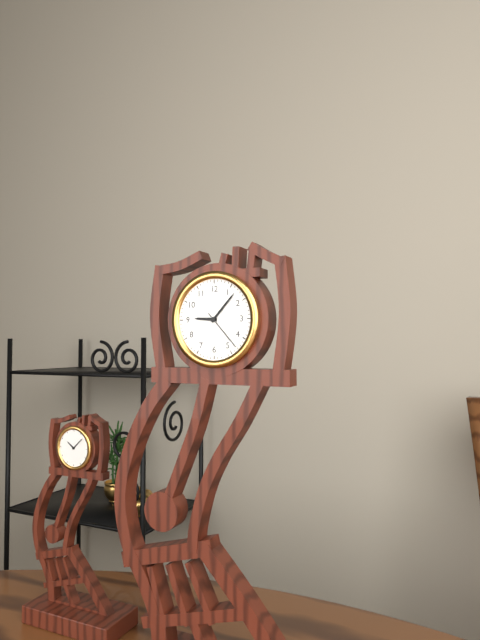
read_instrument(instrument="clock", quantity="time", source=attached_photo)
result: 9:07
